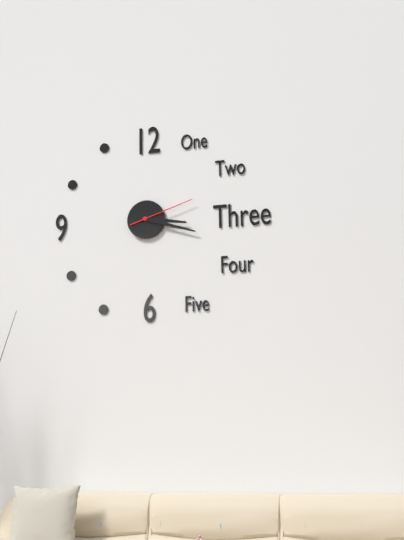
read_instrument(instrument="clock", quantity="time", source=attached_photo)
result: 3:18:12
